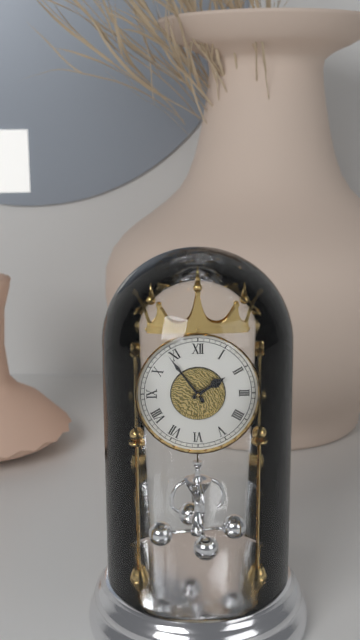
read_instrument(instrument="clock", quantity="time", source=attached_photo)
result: 1:54
